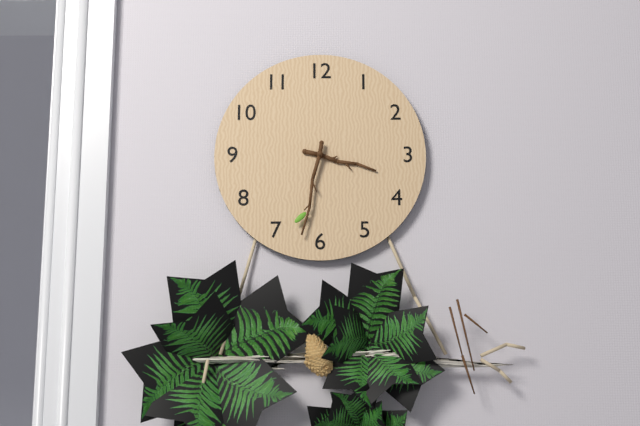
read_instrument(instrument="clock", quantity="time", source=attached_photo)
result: 3:32
